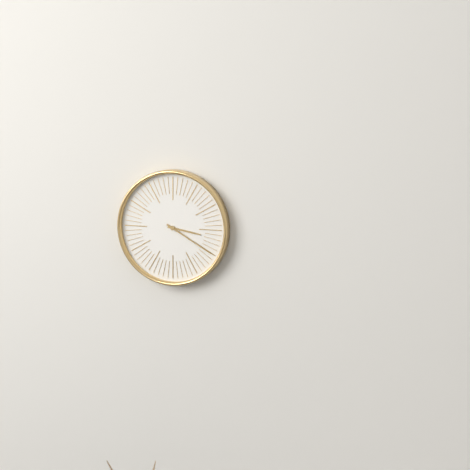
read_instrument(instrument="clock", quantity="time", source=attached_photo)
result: 3:20
